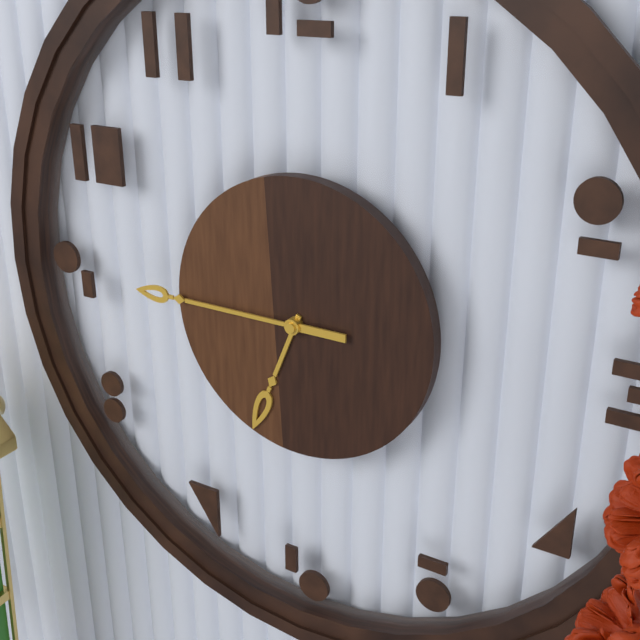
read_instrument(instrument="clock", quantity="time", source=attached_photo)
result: 6:45
